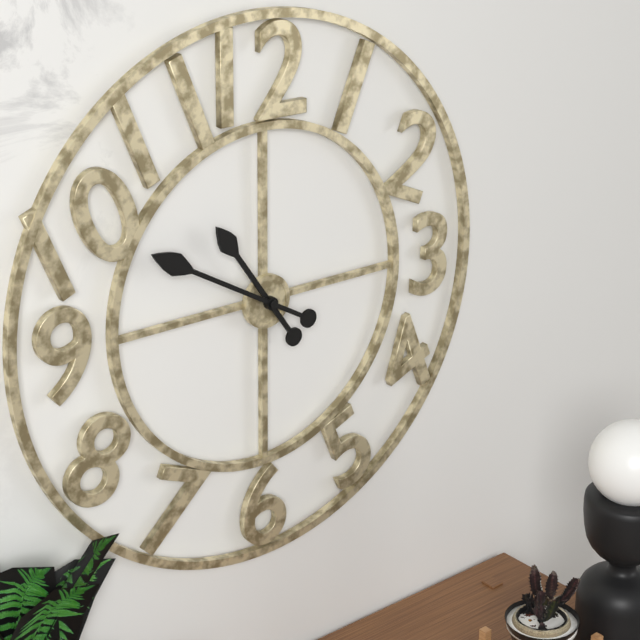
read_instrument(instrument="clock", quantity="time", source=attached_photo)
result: 10:50
